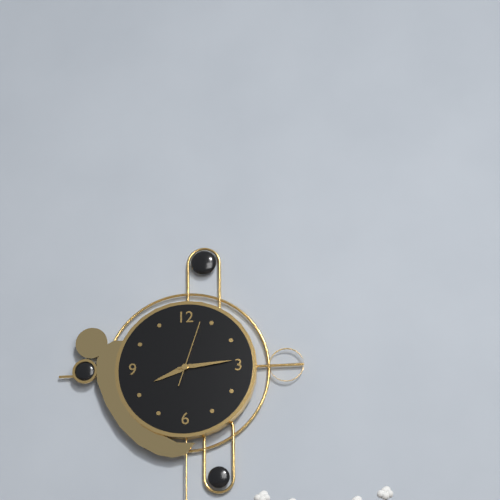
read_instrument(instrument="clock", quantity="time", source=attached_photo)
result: 8:14:03
